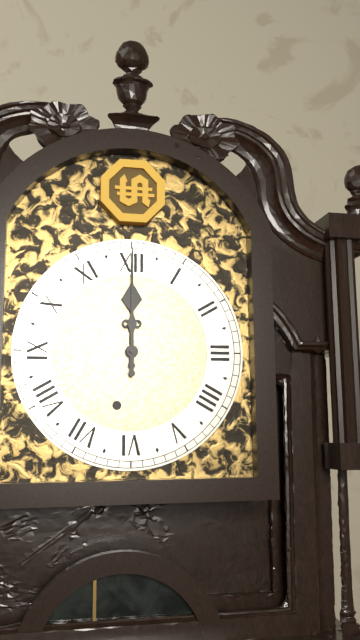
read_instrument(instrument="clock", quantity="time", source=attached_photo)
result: 12:00
